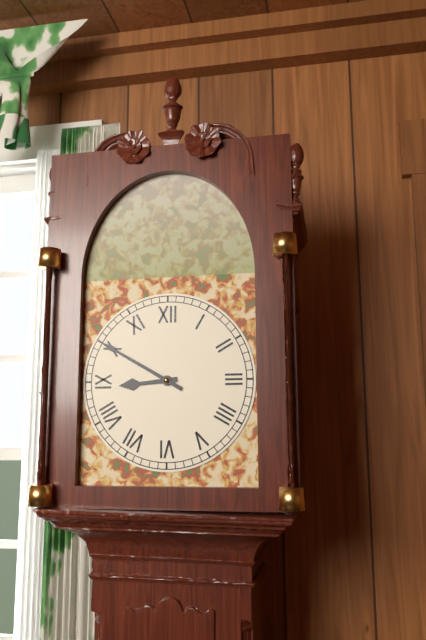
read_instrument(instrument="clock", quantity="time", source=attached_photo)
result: 8:50
